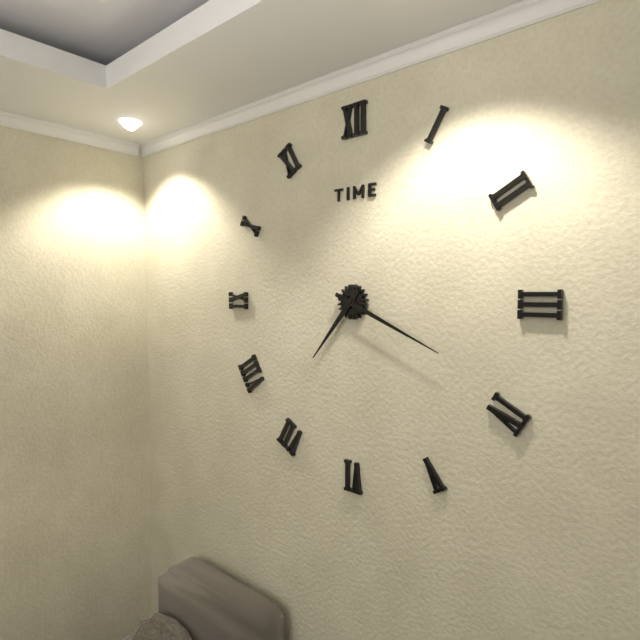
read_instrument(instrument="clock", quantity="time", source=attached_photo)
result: 7:19
